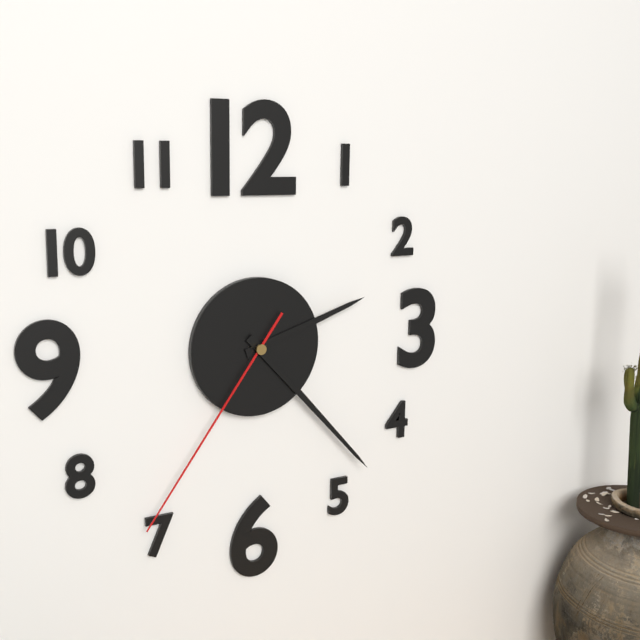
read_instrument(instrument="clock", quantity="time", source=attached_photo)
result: 2:23:36
